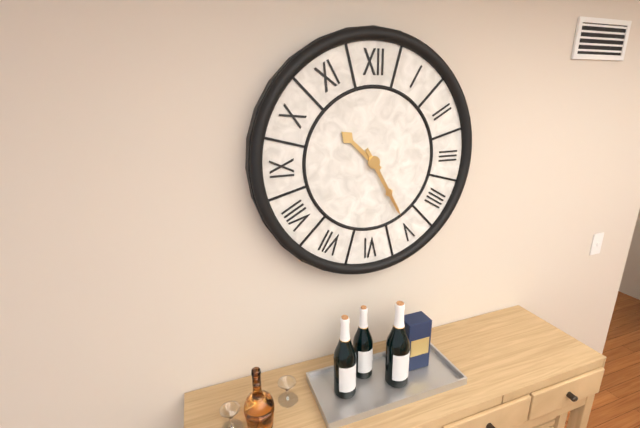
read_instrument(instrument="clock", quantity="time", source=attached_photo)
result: 10:25
